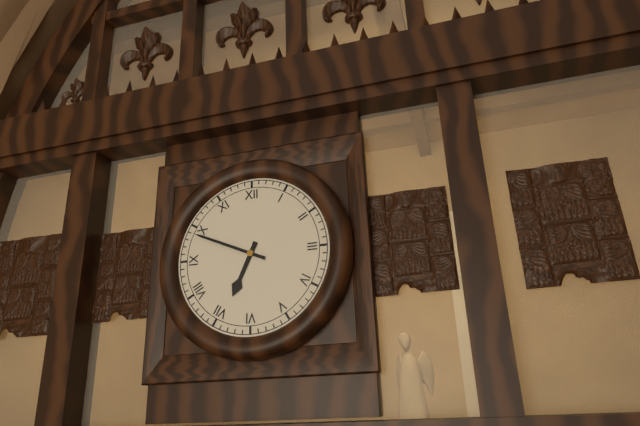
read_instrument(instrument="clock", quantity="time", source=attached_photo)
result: 6:49
